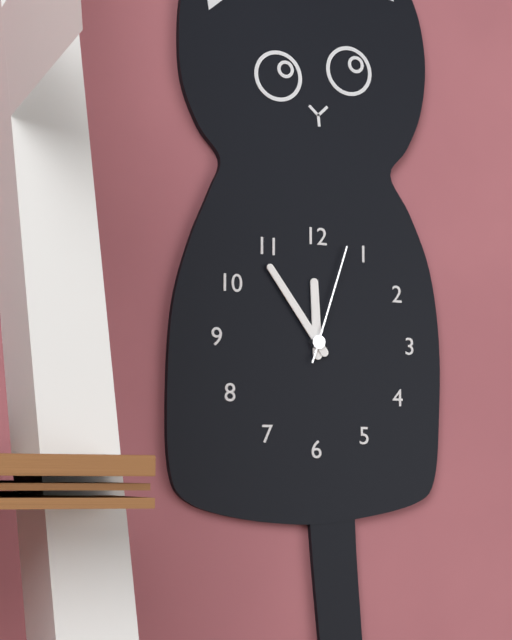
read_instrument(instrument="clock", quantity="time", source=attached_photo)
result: 11:54:03
